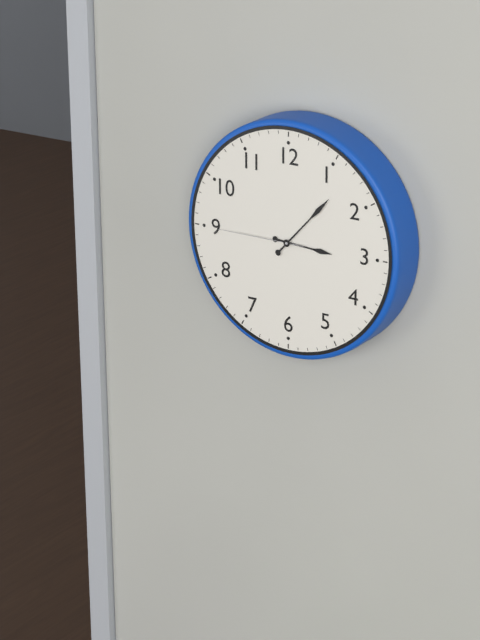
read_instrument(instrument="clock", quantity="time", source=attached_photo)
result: 3:07:45
